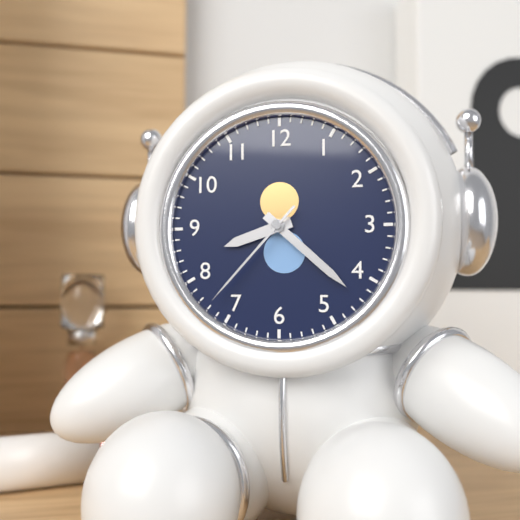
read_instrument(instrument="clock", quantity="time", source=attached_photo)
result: 8:22:37
